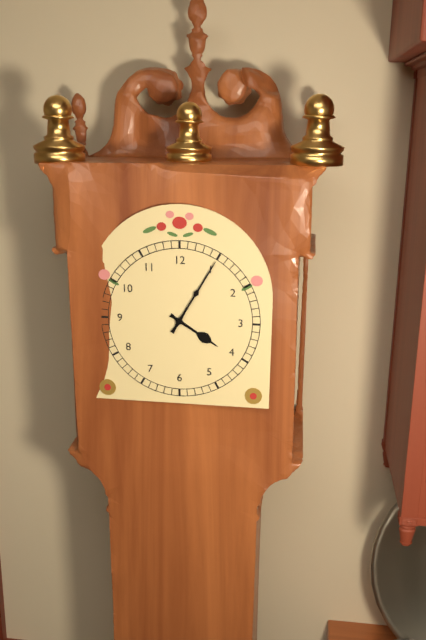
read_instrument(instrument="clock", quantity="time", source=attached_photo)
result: 4:05
